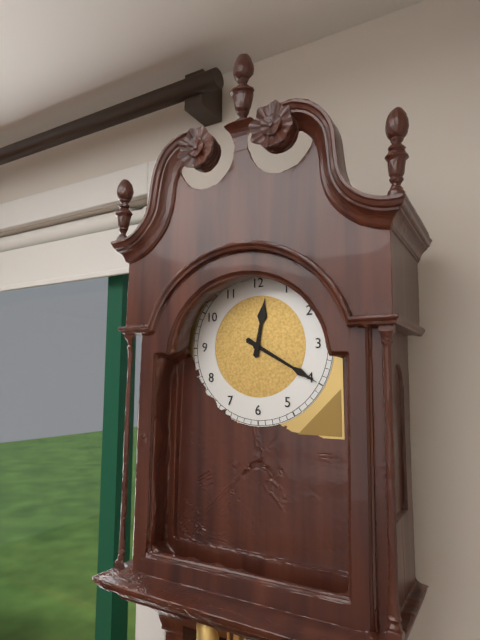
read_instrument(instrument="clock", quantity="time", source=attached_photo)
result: 12:20
